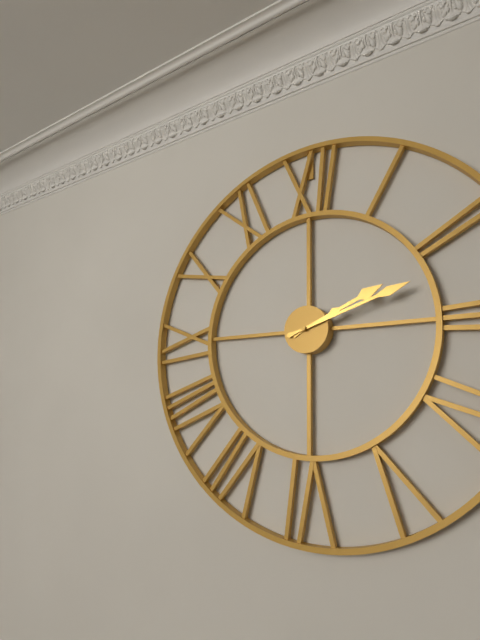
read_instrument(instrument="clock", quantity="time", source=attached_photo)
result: 2:12
